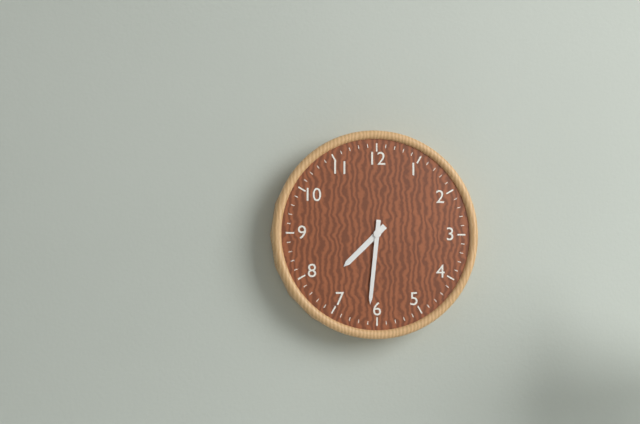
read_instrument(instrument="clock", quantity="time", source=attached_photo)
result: 7:31
